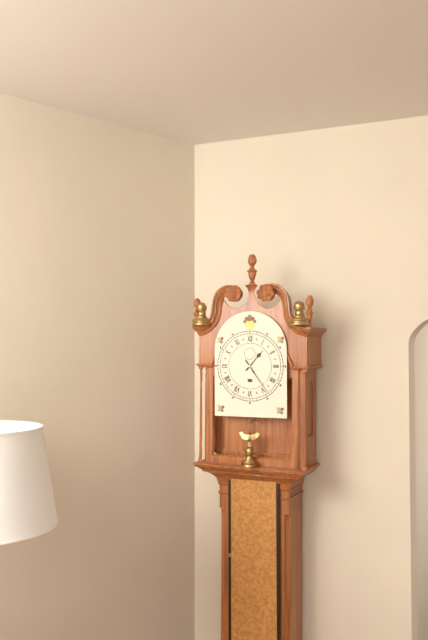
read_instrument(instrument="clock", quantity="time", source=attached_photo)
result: 1:24
